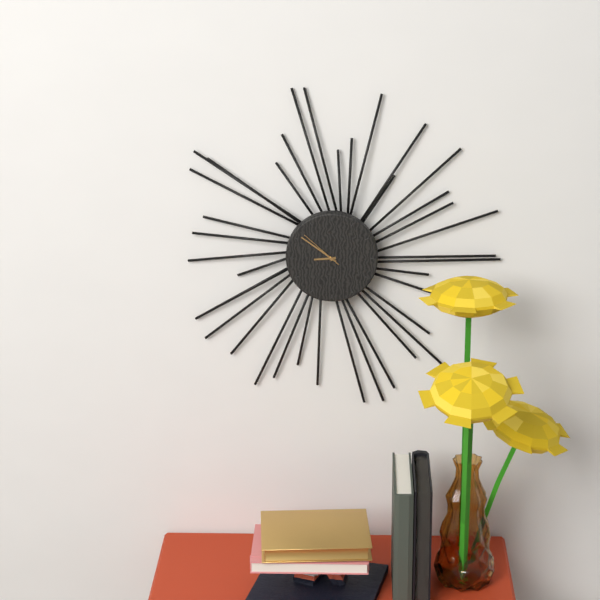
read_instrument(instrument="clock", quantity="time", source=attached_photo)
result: 8:51
